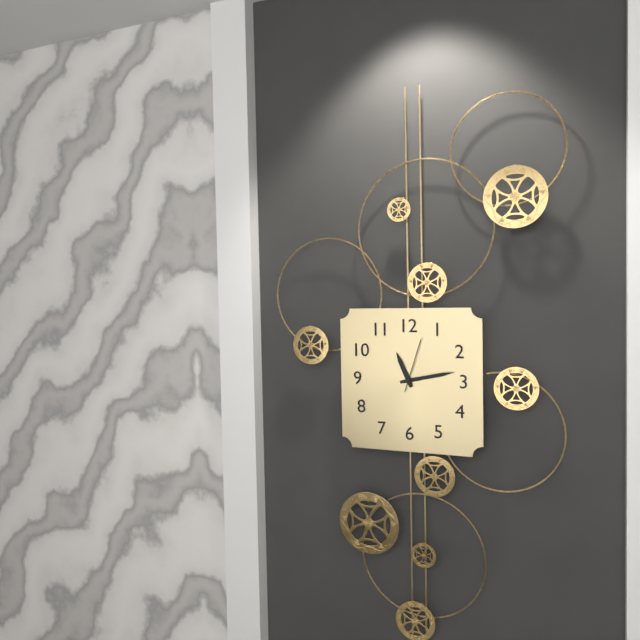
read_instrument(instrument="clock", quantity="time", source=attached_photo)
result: 11:13:03
